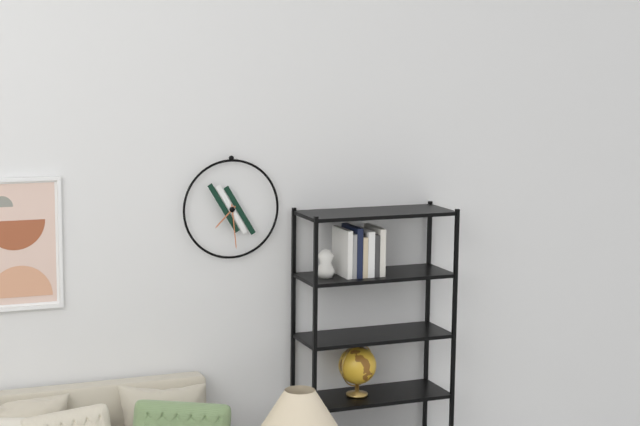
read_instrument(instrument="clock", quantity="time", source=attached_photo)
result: 7:29
